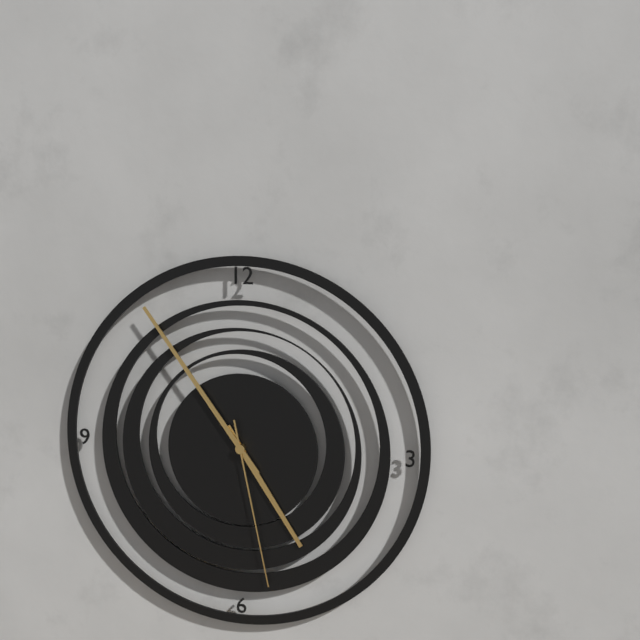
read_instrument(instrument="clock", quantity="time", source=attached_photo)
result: 4:54:28
